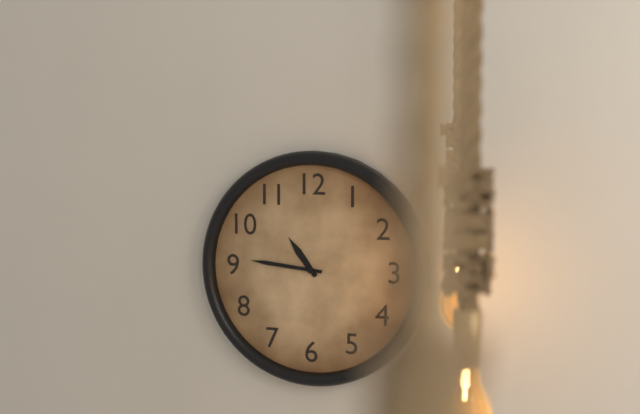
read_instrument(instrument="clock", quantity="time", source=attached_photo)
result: 10:46
